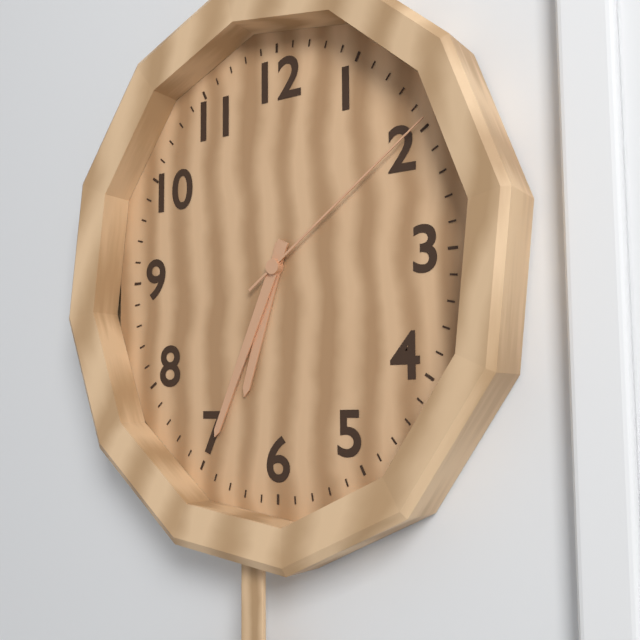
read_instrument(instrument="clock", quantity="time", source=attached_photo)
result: 6:34:09
